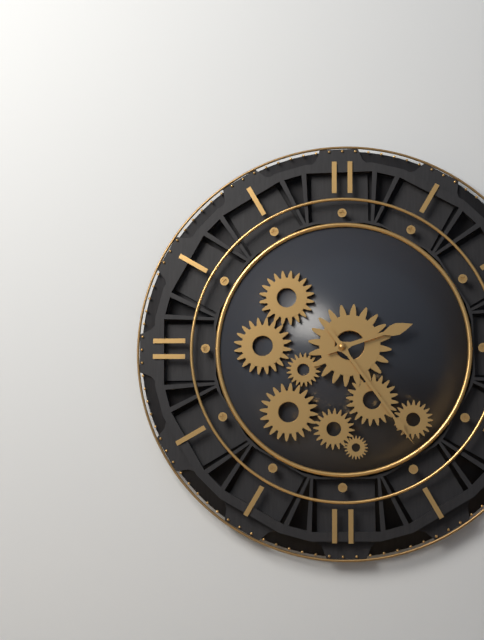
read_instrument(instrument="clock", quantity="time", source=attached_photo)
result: 2:24
